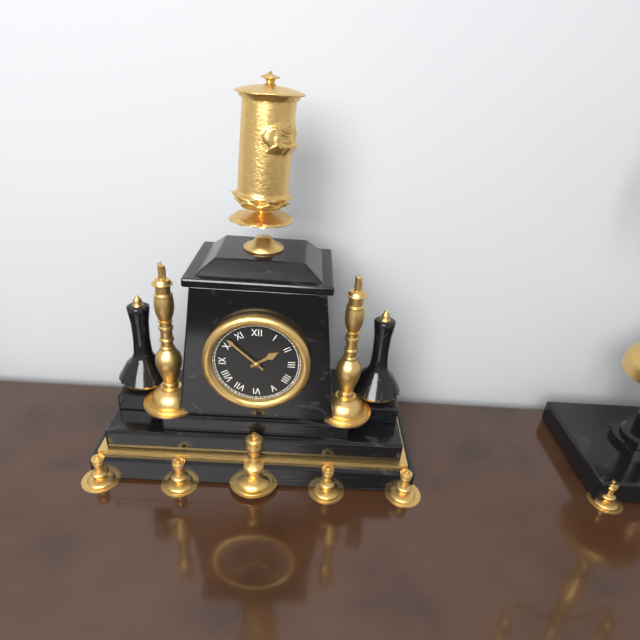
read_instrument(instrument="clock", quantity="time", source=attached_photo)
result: 1:52
